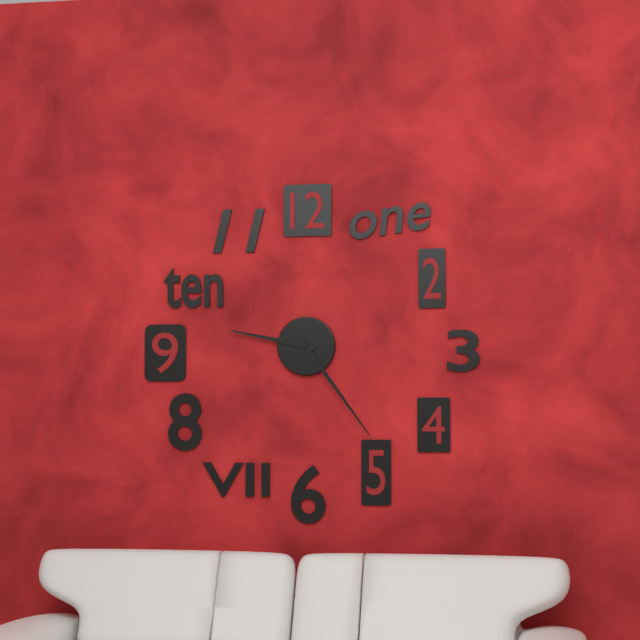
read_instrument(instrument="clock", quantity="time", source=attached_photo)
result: 9:24
